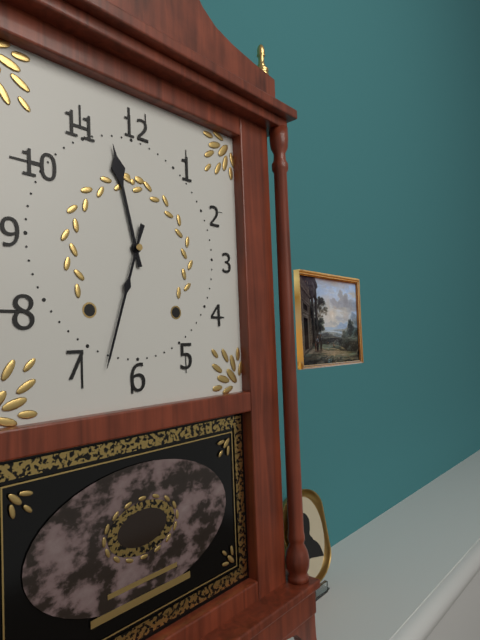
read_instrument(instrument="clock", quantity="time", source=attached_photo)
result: 11:33
